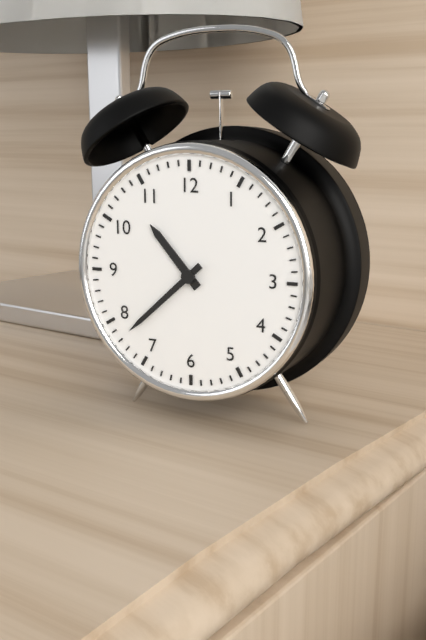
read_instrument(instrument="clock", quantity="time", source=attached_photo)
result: 10:38
